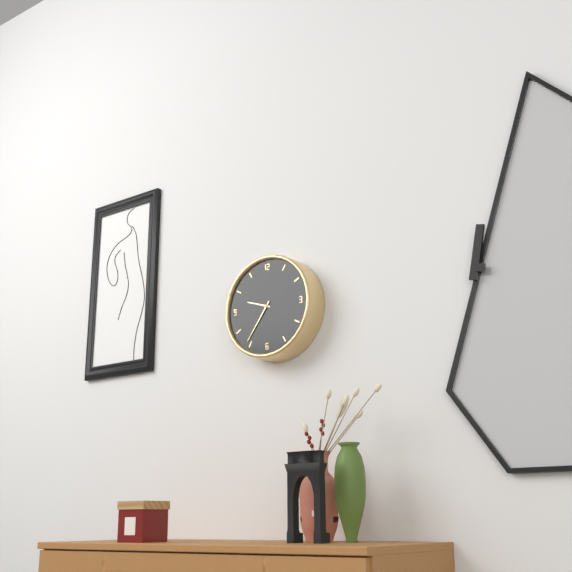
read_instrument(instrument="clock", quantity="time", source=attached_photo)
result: 9:36
